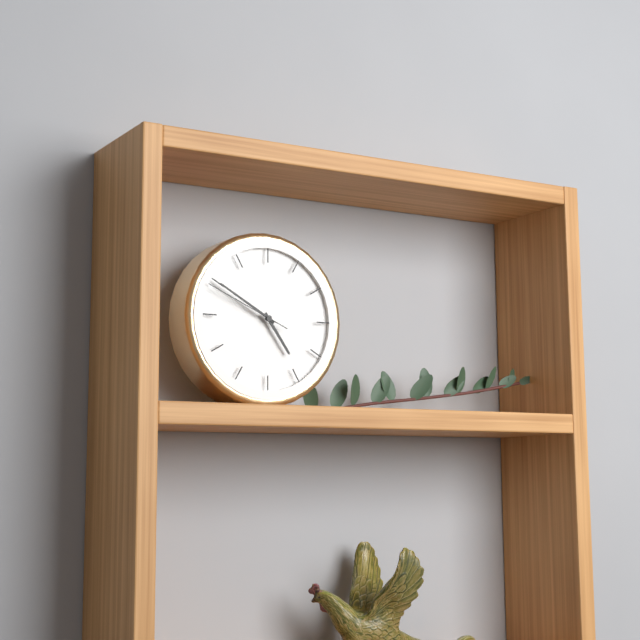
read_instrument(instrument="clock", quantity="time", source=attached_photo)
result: 4:50:49
